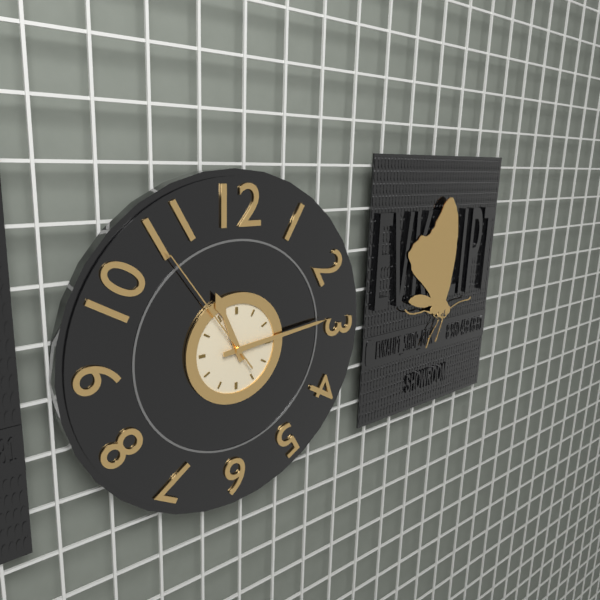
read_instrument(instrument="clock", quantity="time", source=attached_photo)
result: 11:14:54
